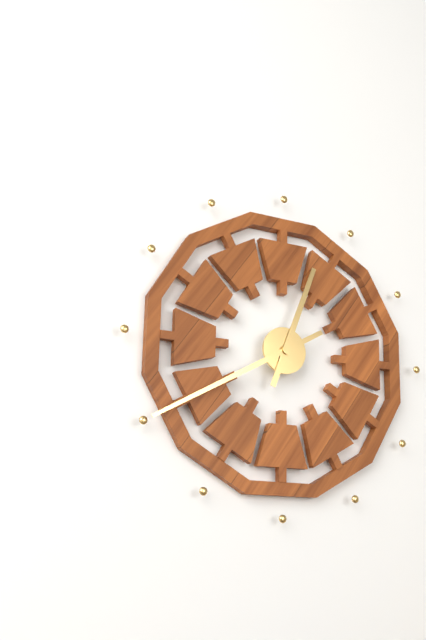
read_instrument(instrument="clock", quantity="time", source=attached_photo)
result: 12:40
